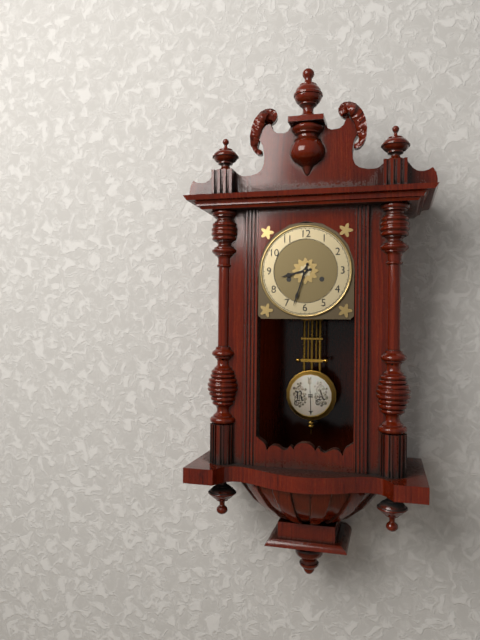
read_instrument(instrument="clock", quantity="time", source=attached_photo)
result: 8:33
